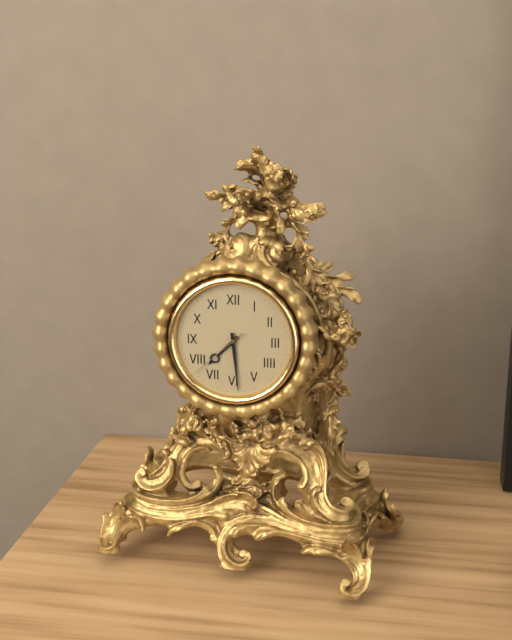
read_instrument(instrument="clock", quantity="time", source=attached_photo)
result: 7:29:38
